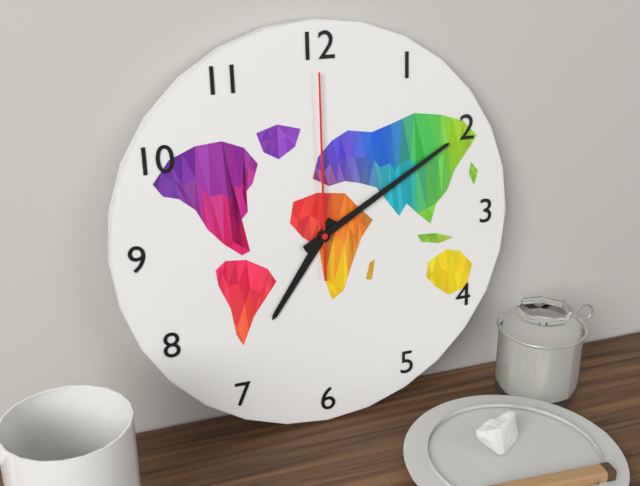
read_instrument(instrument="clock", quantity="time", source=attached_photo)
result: 7:10:00
